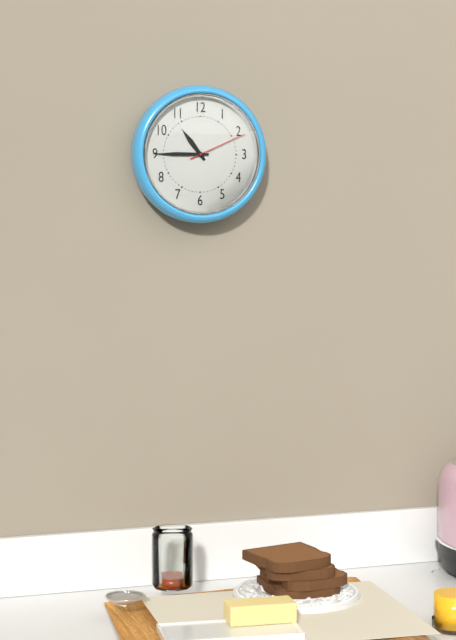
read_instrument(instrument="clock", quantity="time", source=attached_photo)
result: 10:45:11
